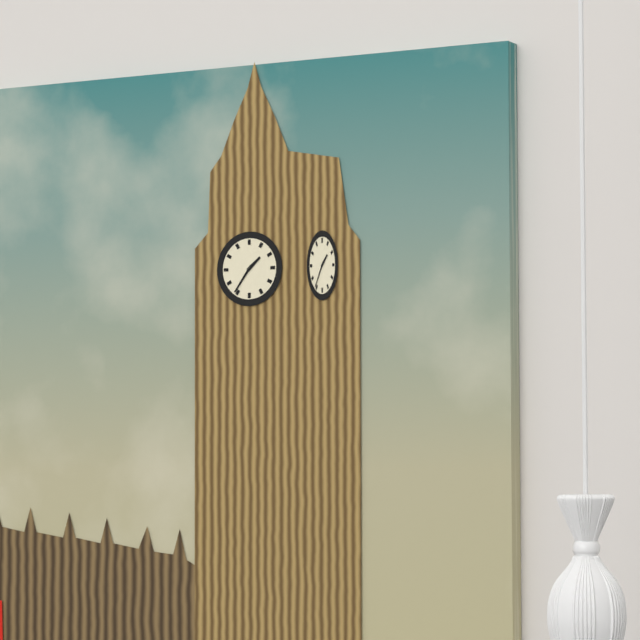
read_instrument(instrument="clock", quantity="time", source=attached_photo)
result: 1:36
